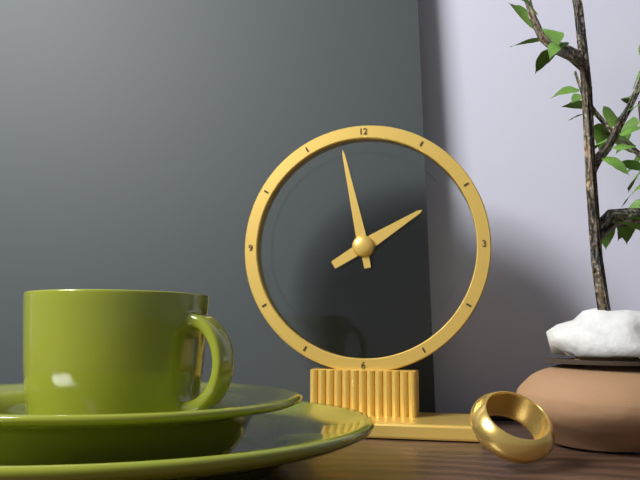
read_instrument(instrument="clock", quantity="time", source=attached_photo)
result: 1:58
